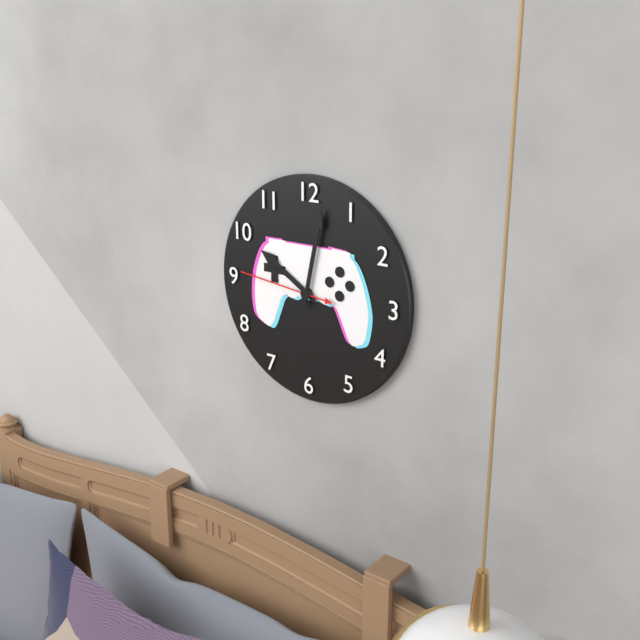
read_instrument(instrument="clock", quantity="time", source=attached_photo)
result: 10:02:46
